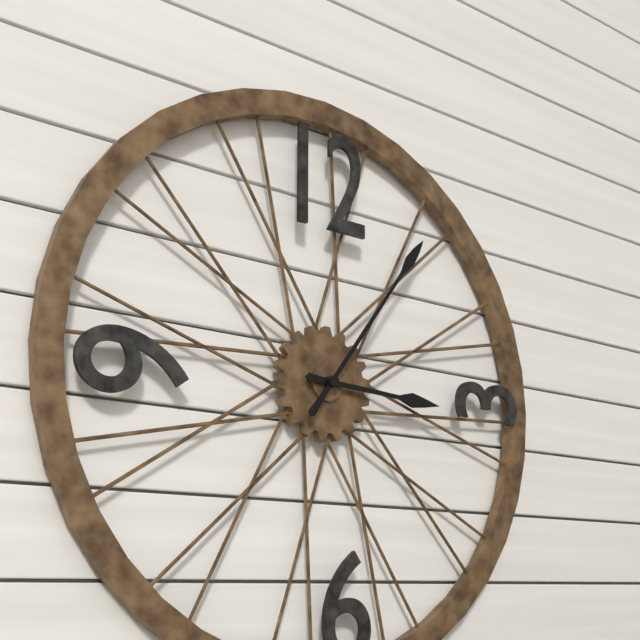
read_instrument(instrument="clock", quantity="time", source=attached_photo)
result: 3:06
